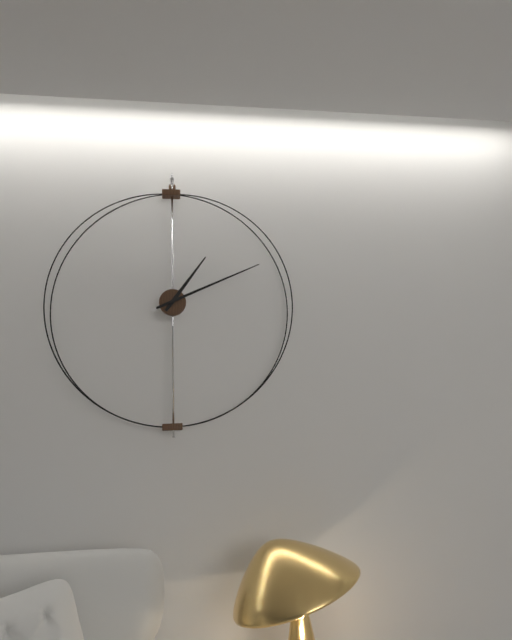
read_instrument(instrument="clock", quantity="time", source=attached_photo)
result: 1:11
